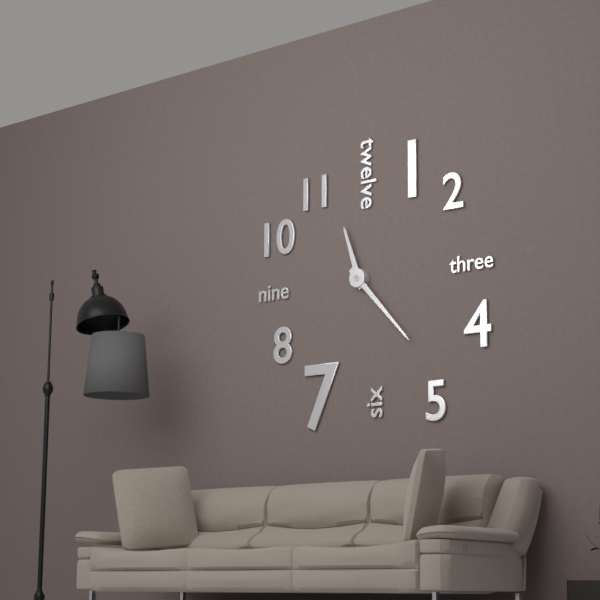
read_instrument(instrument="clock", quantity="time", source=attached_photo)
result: 11:23
